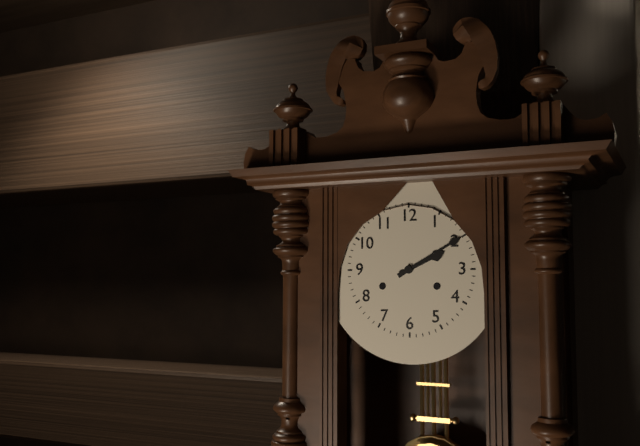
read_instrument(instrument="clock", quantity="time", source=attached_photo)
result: 2:10
